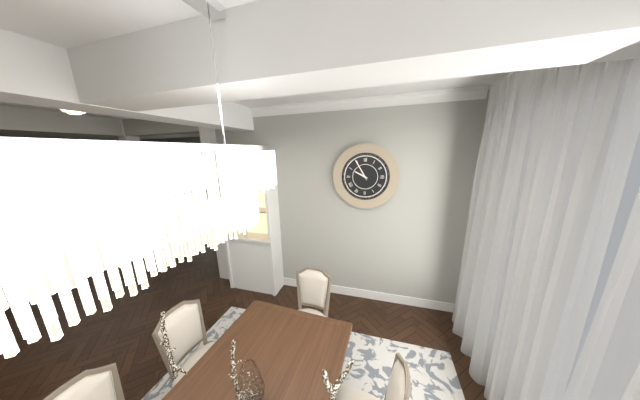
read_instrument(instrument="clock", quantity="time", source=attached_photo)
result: 9:55
